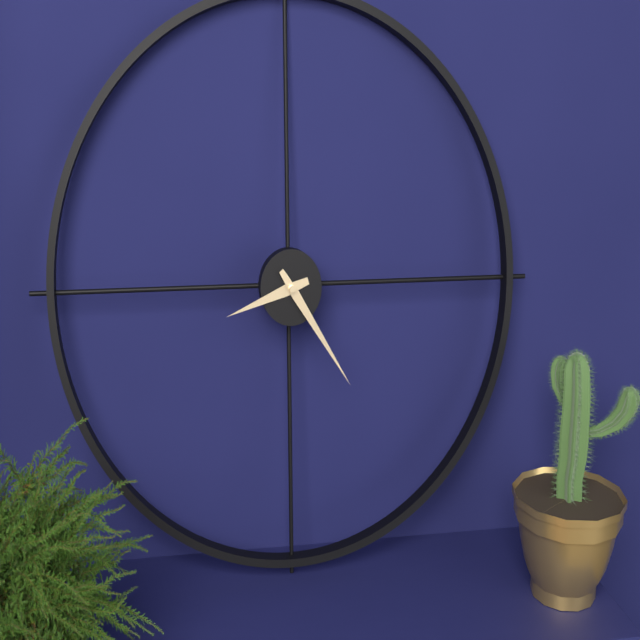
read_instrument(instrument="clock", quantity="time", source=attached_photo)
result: 8:24
